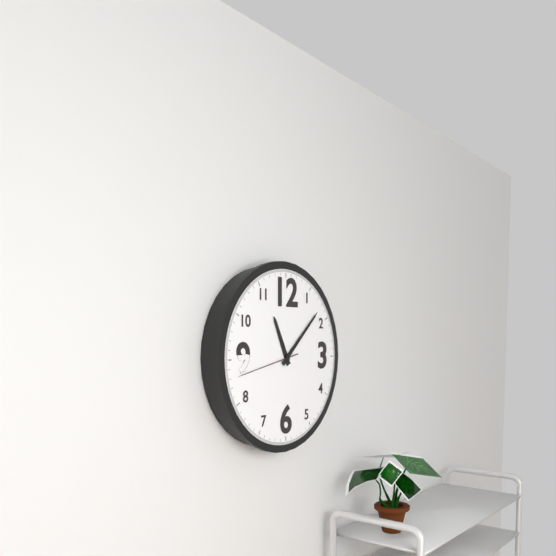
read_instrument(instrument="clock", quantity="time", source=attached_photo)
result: 11:08:43
